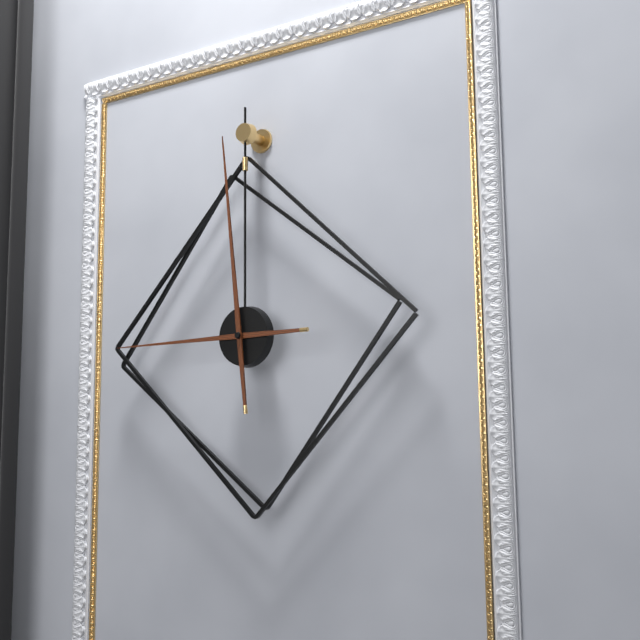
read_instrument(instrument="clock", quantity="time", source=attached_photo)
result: 8:59
